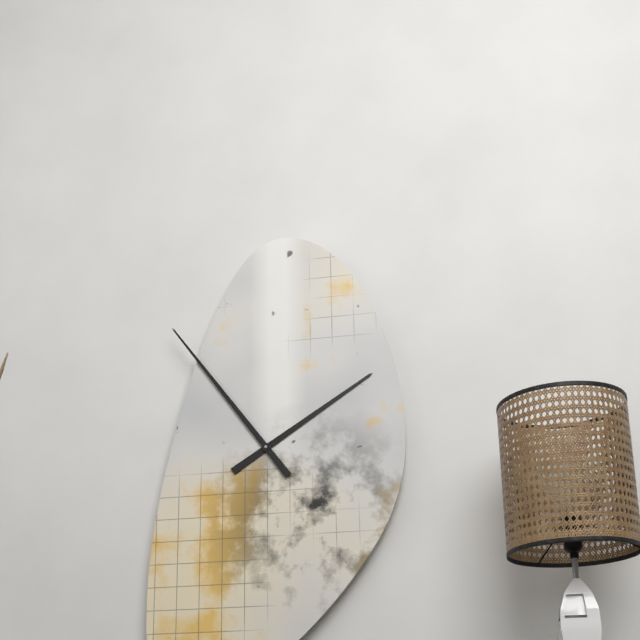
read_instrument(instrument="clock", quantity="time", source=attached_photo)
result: 1:54
